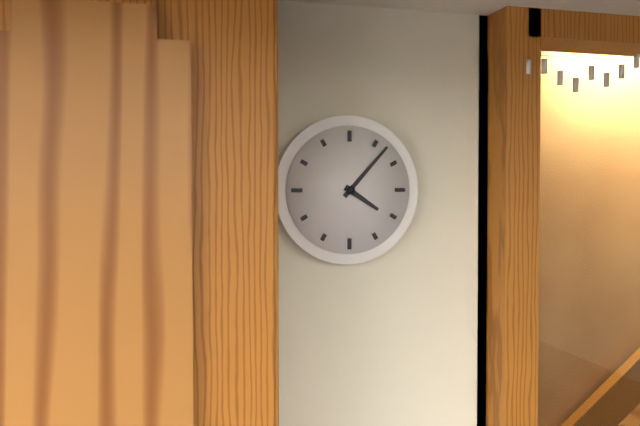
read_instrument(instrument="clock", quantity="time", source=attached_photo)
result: 4:07
